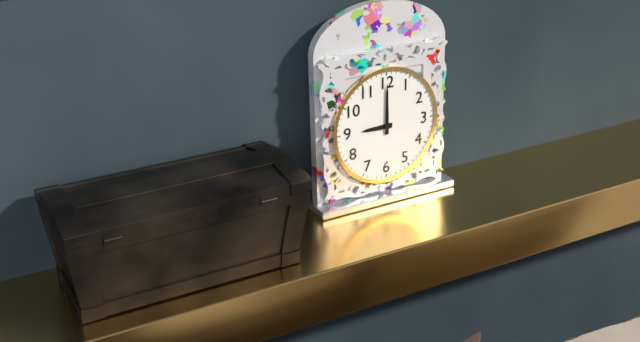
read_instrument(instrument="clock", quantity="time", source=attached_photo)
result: 9:00
